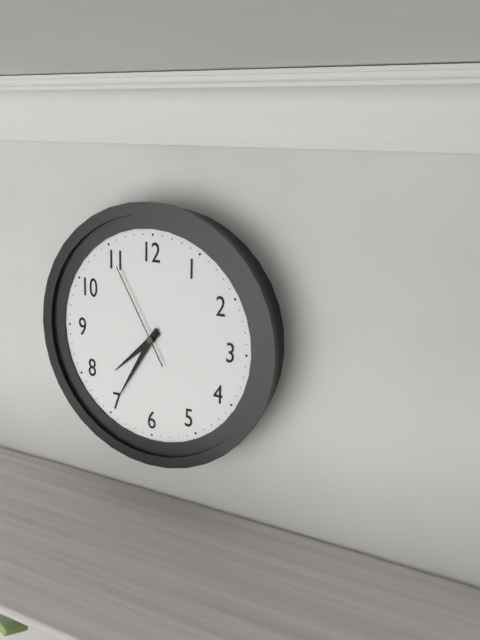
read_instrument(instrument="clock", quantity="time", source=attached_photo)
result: 7:35:55
